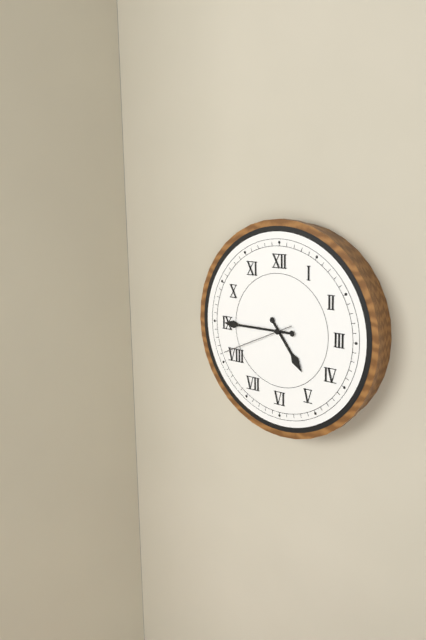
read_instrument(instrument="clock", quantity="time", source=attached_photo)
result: 4:45:41
